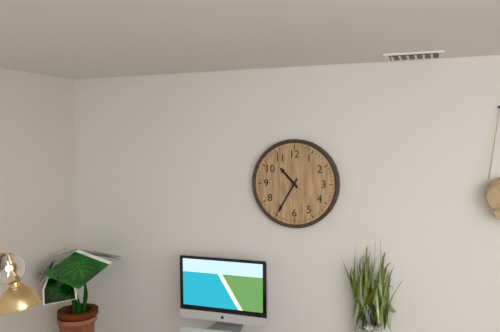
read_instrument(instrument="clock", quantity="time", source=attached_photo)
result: 10:35
